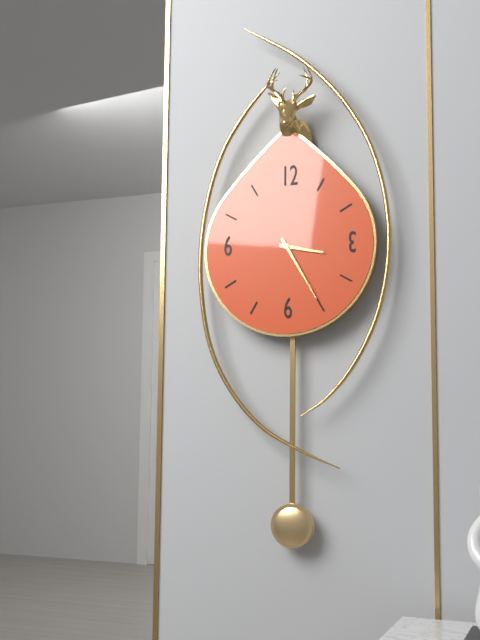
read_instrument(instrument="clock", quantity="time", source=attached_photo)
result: 3:25
